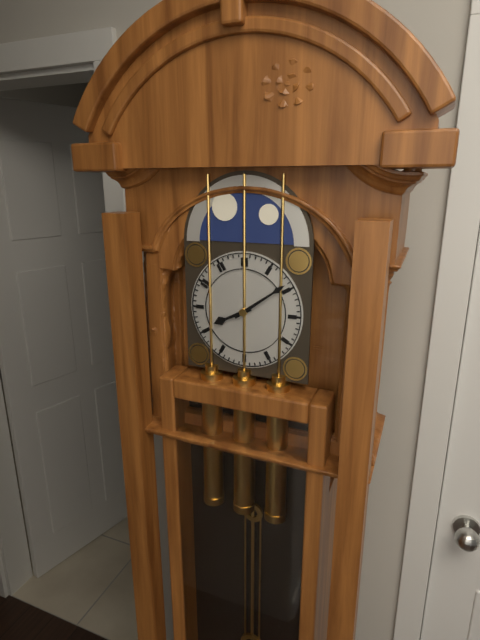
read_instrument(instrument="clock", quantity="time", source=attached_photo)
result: 8:09
